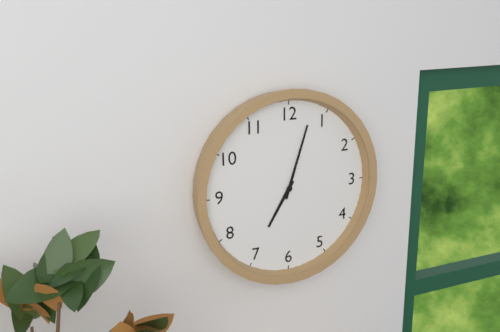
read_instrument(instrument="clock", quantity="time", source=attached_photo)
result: 7:03
